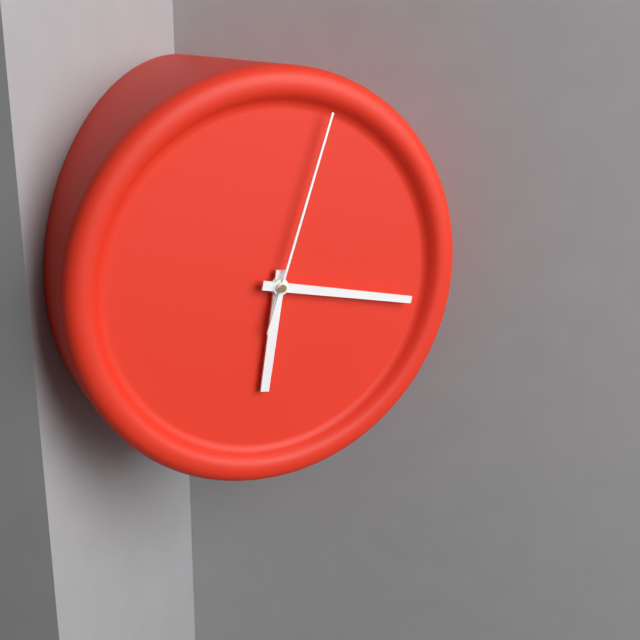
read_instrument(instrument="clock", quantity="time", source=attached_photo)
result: 6:17:03
